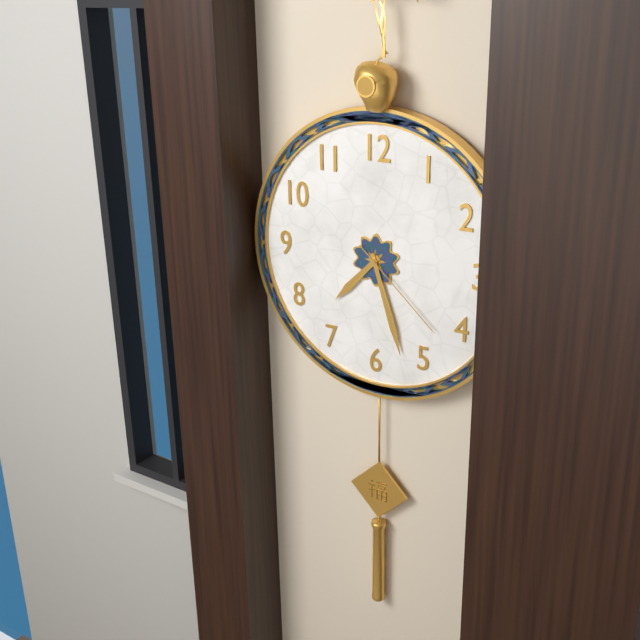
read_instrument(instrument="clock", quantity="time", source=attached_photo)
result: 7:27:22
